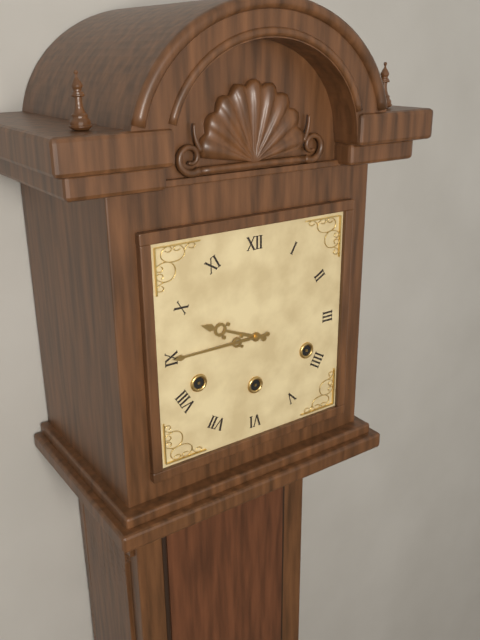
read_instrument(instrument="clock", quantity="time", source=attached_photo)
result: 9:45
